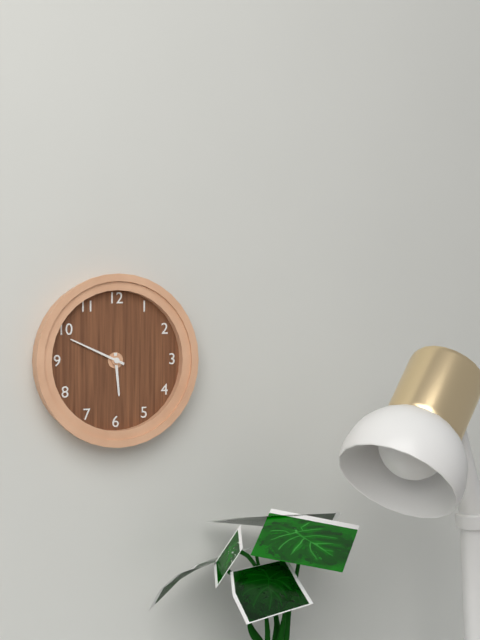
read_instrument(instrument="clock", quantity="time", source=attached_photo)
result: 5:49
